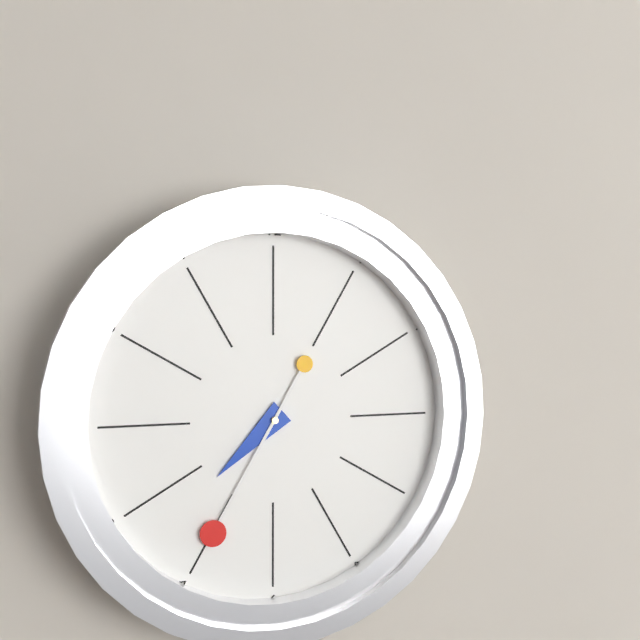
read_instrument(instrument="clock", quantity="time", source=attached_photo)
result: 7:35
